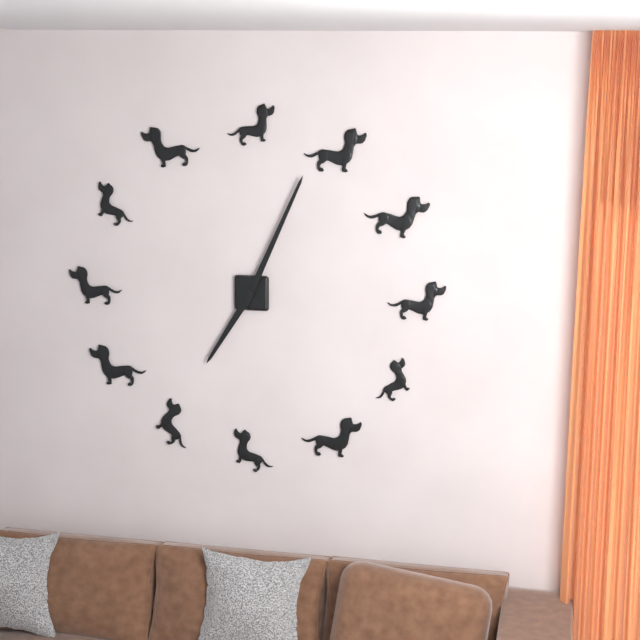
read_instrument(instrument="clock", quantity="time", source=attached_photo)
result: 7:04
